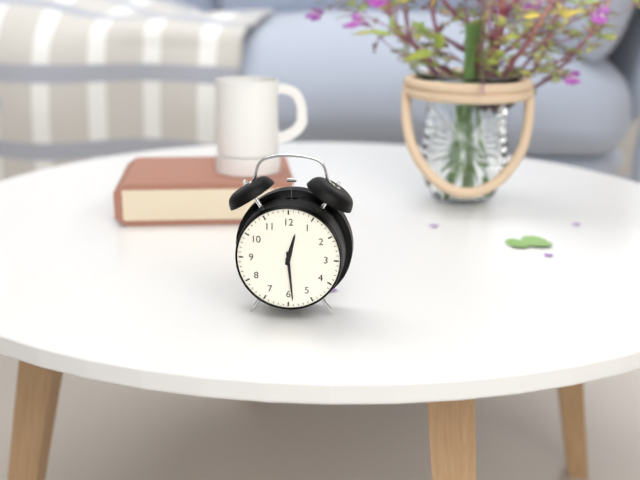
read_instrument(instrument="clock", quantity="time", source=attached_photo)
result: 12:29
